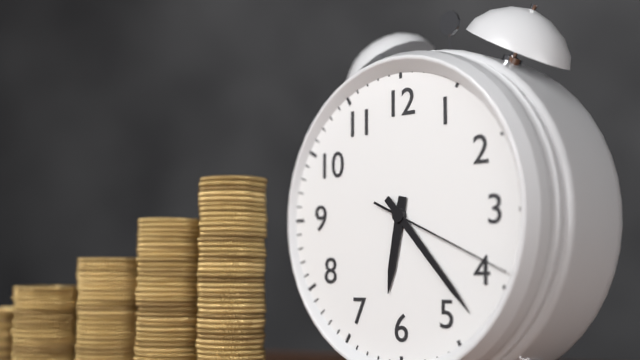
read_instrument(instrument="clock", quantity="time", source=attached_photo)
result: 6:23:19
